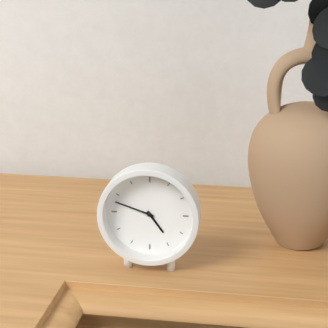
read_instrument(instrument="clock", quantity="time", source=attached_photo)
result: 4:48
